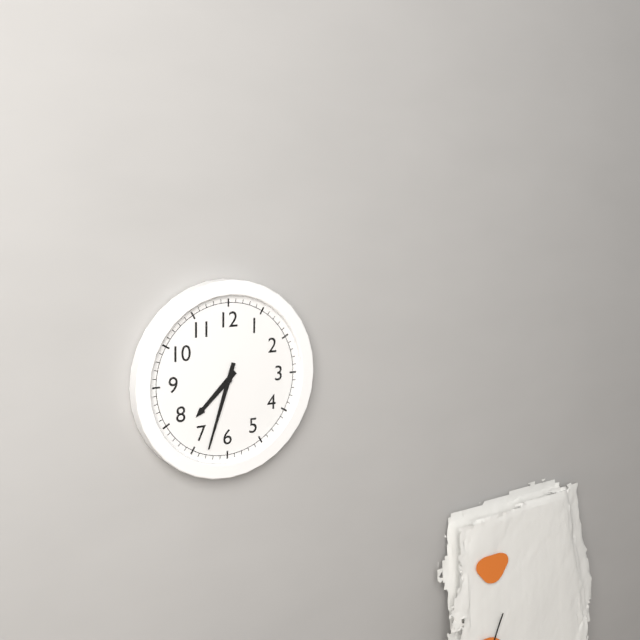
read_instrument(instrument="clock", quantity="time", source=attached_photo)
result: 7:33
